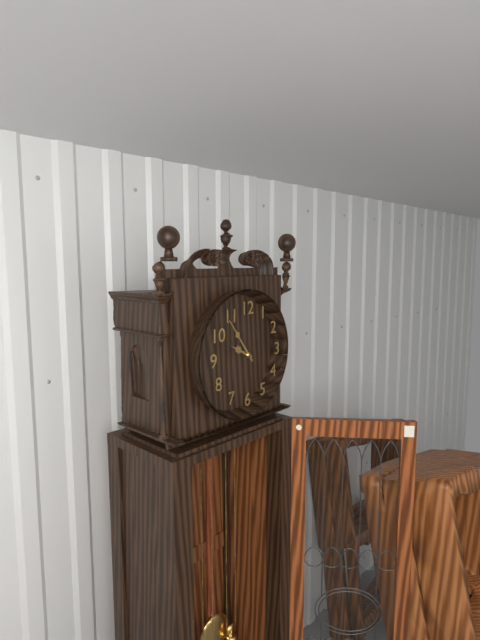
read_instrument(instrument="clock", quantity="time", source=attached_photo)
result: 9:54
